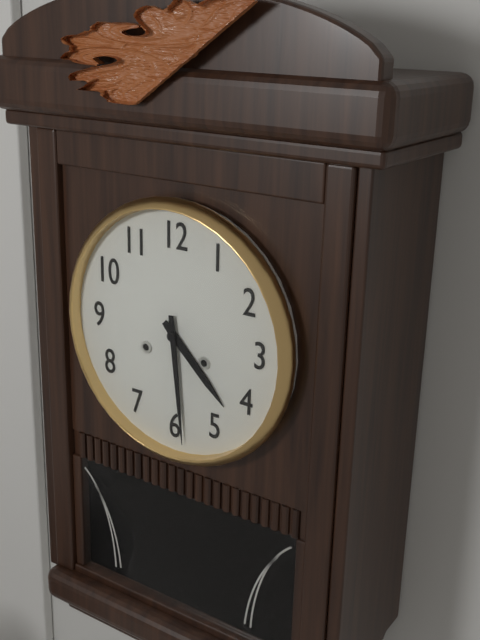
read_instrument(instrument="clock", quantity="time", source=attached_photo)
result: 4:29
